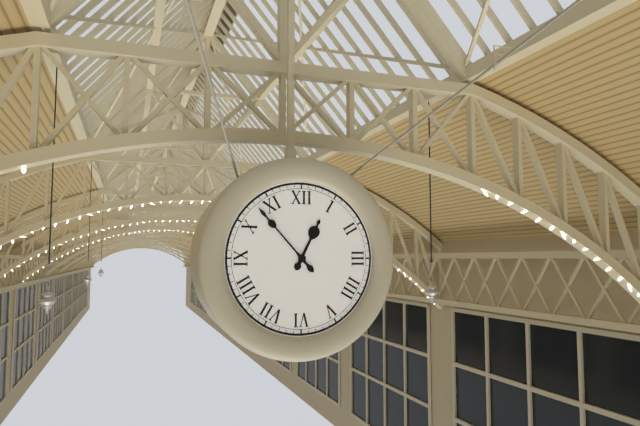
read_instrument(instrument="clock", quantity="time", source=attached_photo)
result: 12:53
